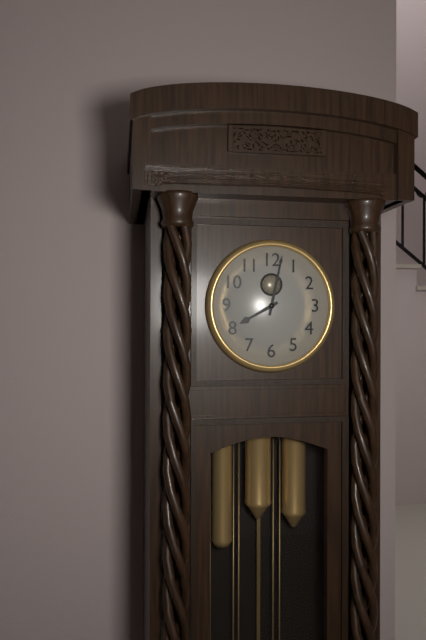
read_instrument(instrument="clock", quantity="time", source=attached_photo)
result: 8:02
